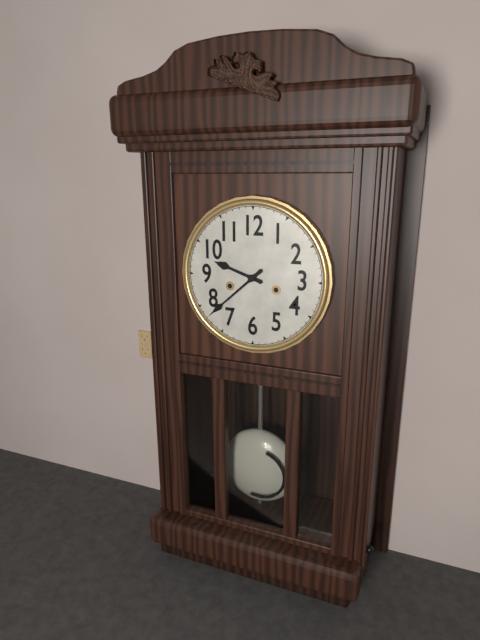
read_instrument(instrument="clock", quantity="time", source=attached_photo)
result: 9:38
